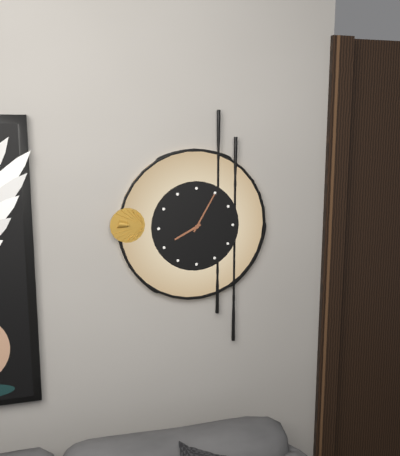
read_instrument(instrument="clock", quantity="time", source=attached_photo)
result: 8:05
